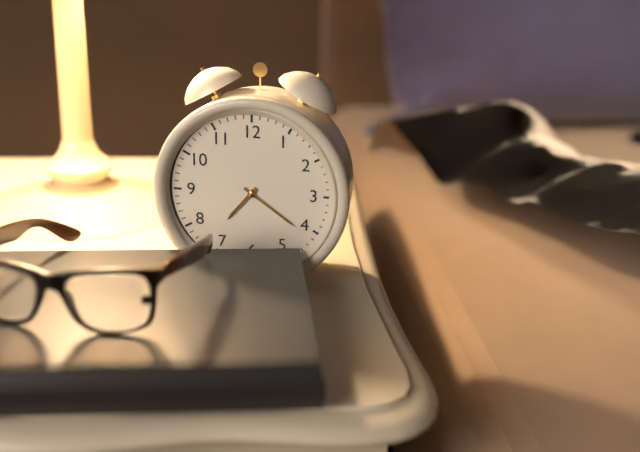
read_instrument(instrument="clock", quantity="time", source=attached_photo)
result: 7:21
